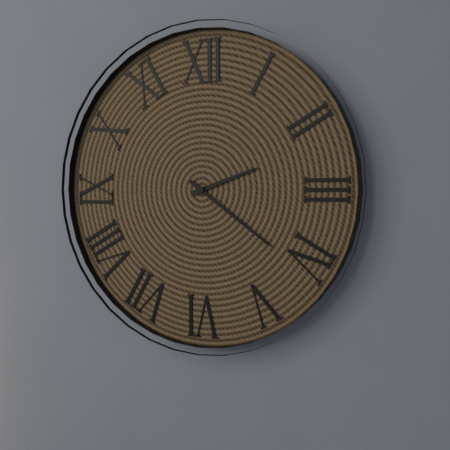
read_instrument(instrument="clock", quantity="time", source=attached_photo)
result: 2:21
